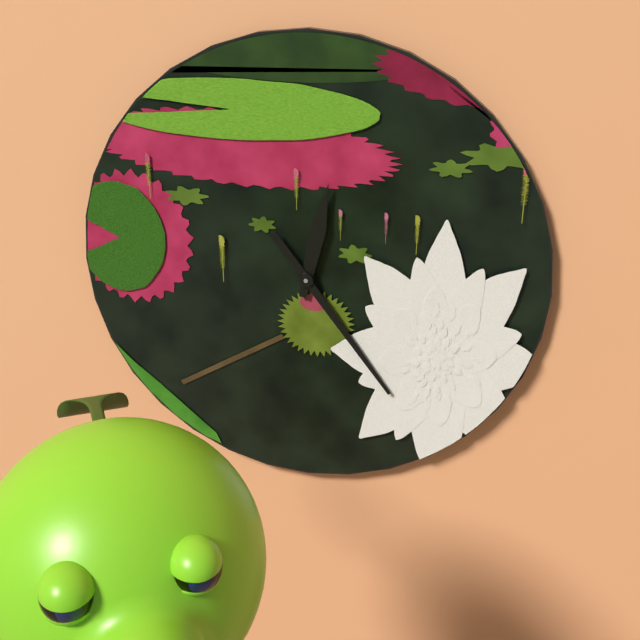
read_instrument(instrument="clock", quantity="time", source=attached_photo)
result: 12:24
